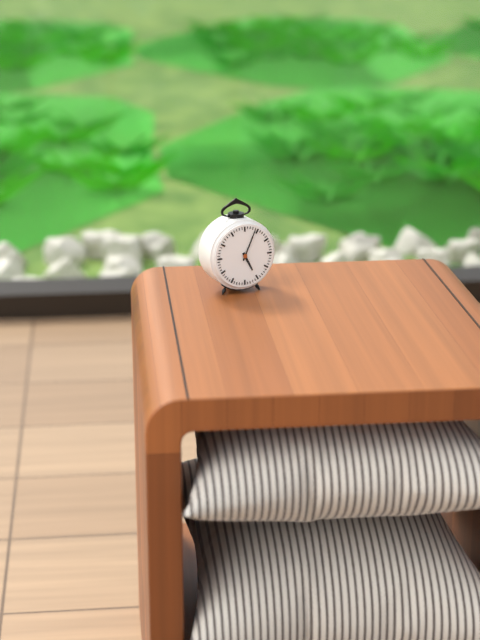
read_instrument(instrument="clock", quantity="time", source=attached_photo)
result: 5:04
